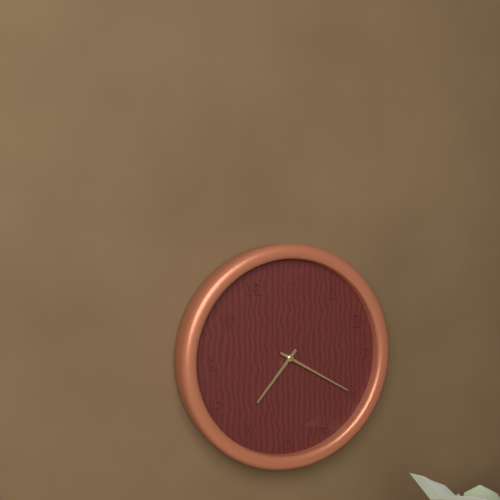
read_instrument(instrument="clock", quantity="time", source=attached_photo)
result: 7:20
